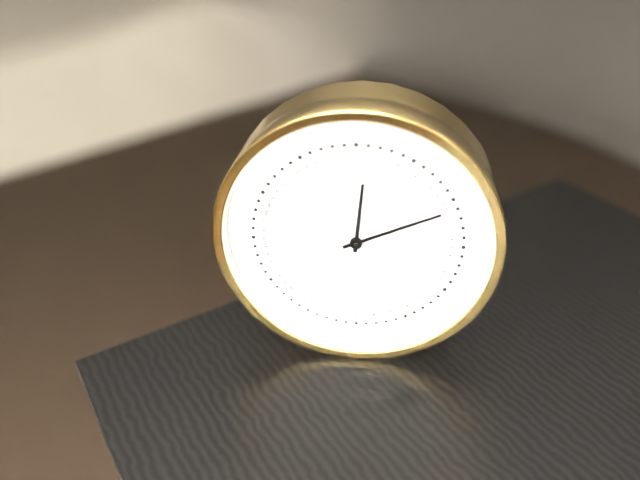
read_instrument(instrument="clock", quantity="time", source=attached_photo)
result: 12:11
